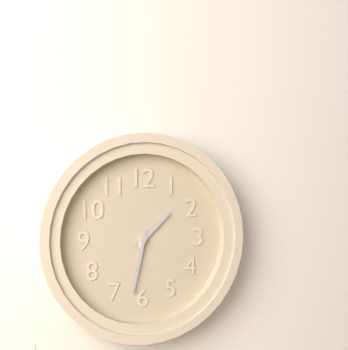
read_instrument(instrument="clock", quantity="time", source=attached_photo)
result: 1:32
